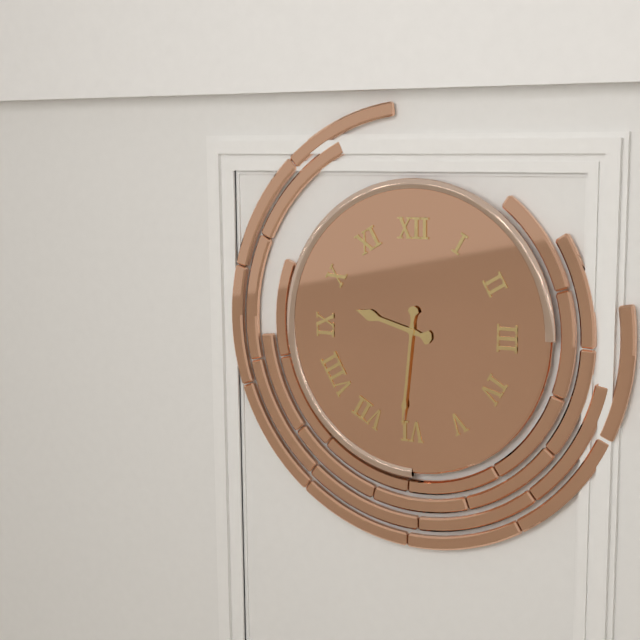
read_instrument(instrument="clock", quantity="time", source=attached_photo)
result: 9:31
